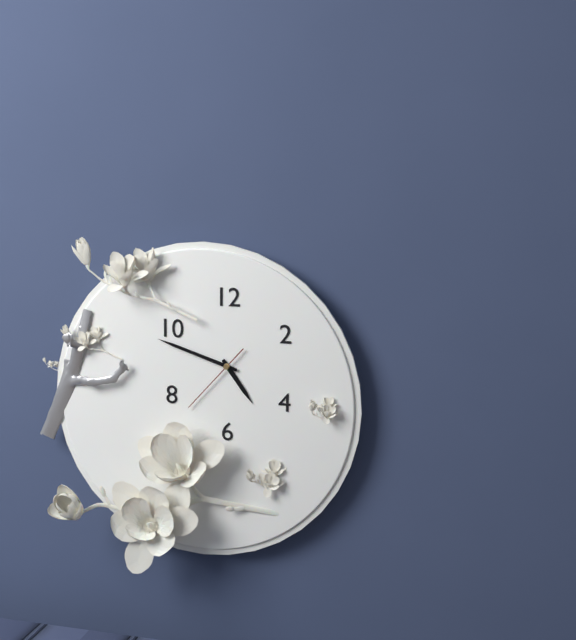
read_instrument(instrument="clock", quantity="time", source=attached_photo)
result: 4:48:37
